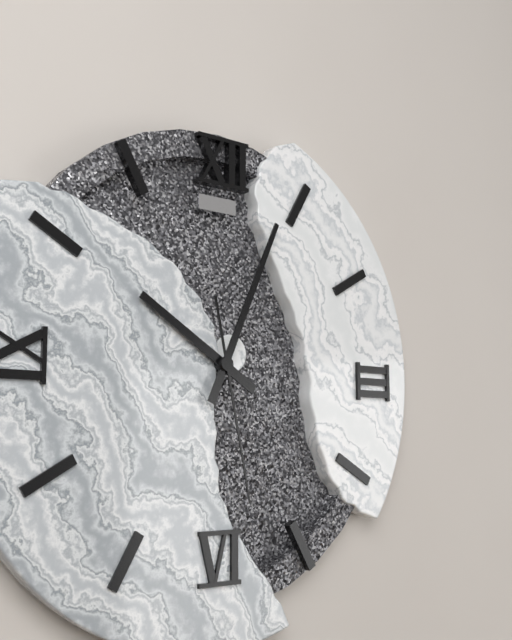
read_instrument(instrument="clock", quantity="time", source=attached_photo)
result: 10:04:28
